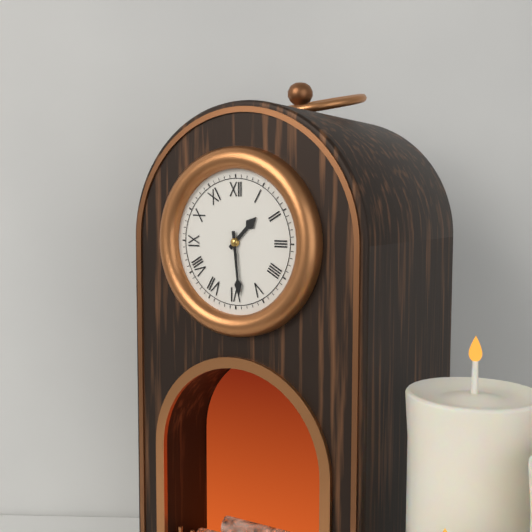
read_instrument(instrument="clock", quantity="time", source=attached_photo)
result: 1:29
